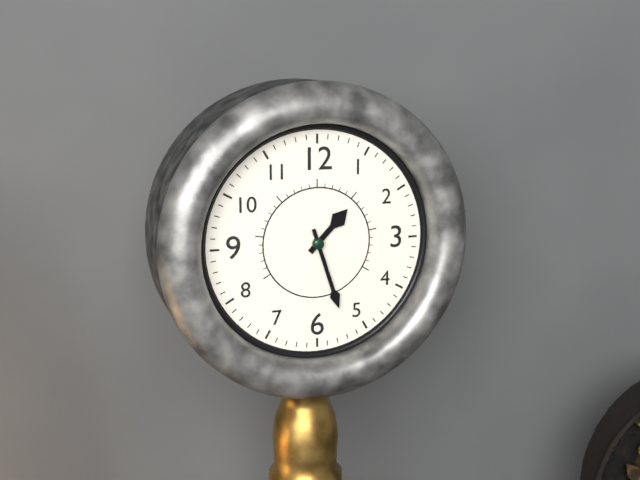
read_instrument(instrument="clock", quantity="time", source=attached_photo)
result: 1:27
